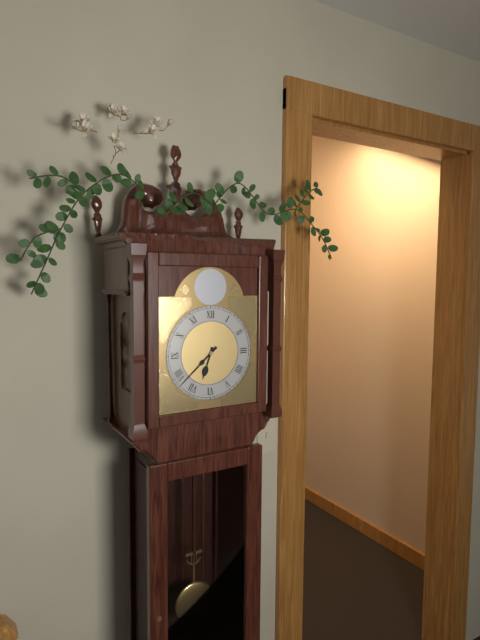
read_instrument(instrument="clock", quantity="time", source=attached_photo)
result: 6:38
